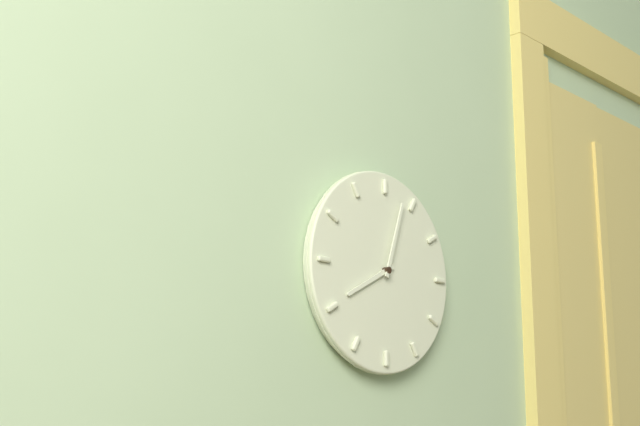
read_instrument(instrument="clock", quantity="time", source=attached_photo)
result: 8:03
